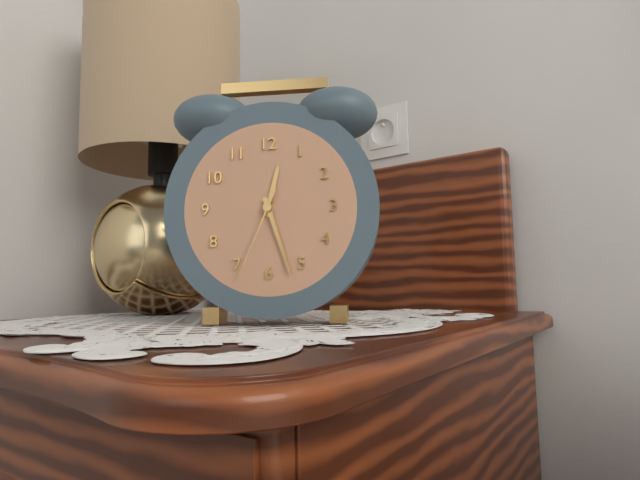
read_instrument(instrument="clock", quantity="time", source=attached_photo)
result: 12:27:34
